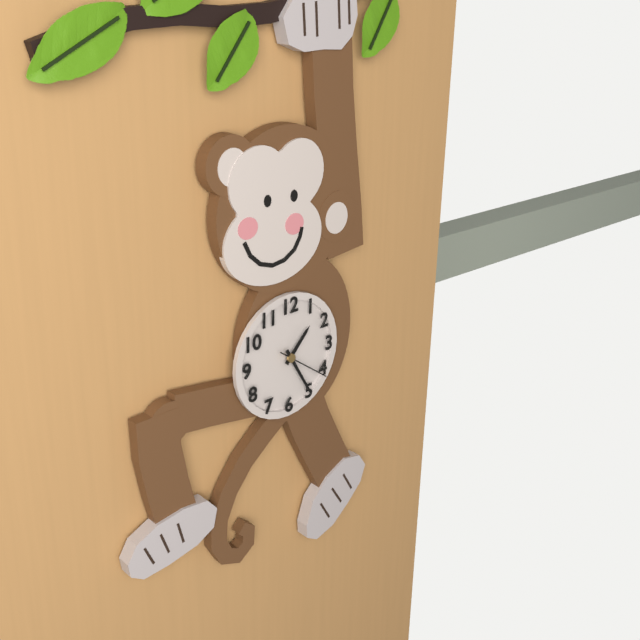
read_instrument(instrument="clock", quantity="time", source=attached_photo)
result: 1:25:21
